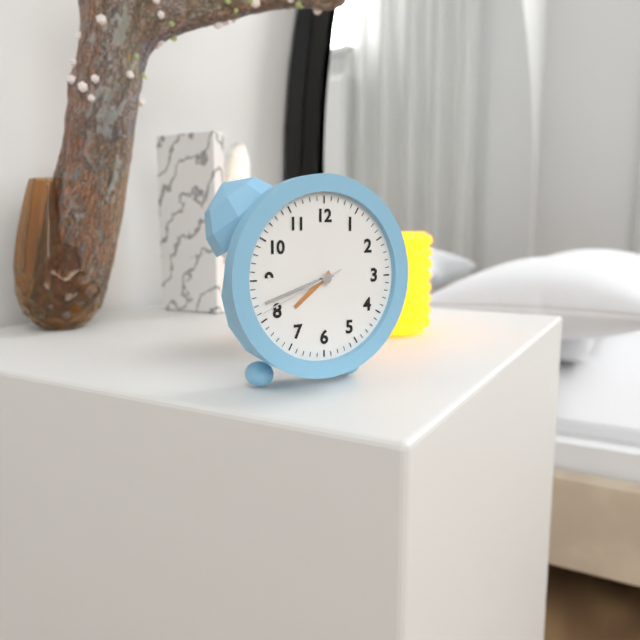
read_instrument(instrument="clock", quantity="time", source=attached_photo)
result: 7:42:41
